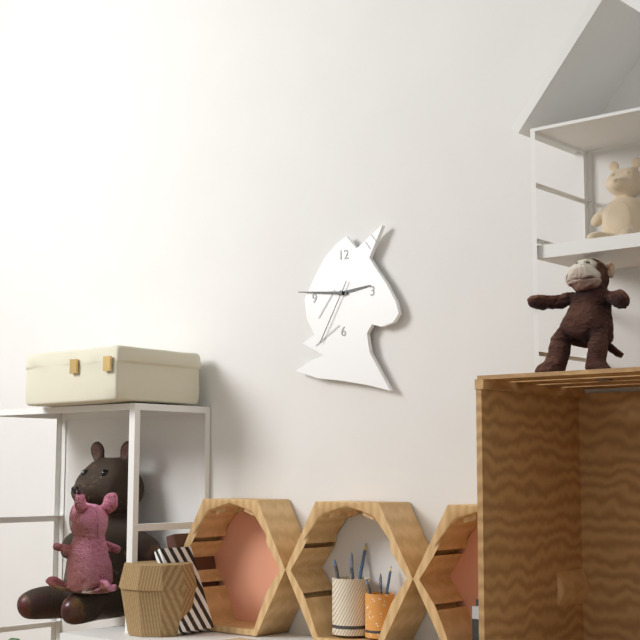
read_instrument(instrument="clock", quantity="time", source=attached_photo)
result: 2:46:35
